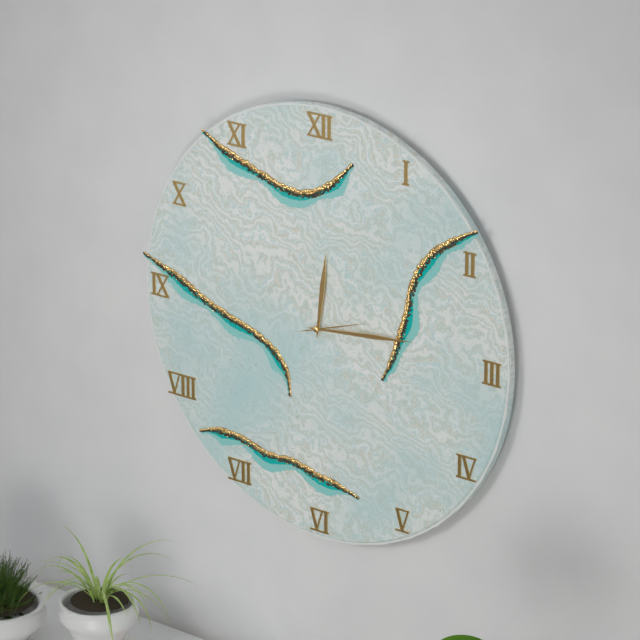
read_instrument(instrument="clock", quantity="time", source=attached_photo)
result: 12:14:12
